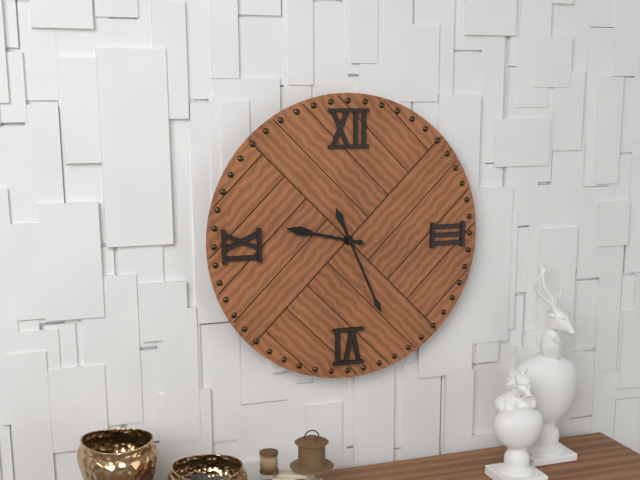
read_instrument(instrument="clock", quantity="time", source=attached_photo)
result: 9:26
